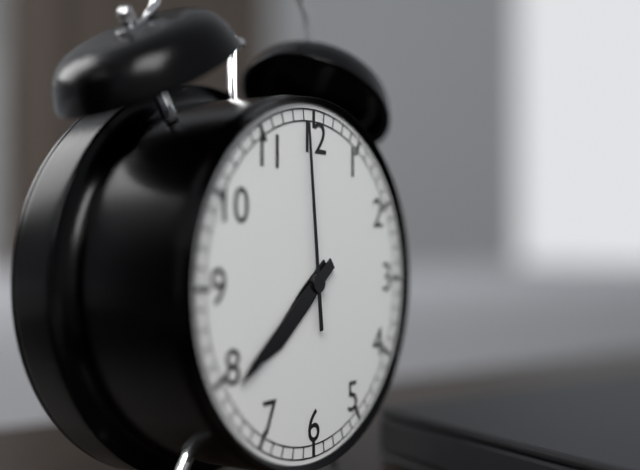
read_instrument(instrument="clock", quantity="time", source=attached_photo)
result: 7:39:59
